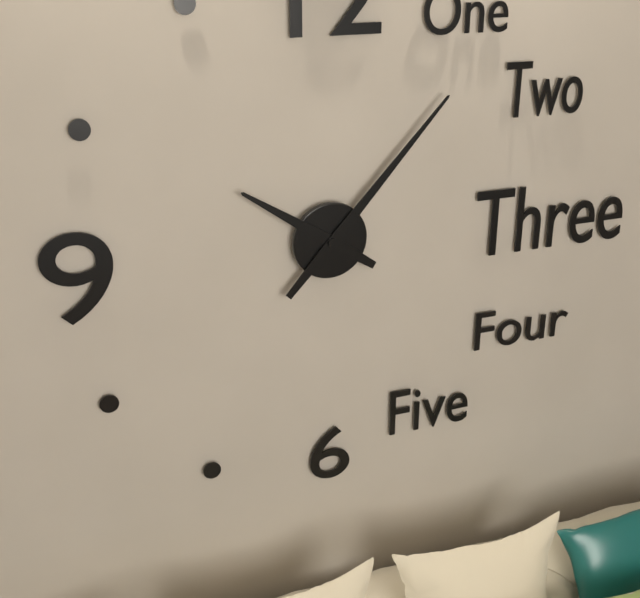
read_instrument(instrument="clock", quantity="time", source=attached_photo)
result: 10:07
